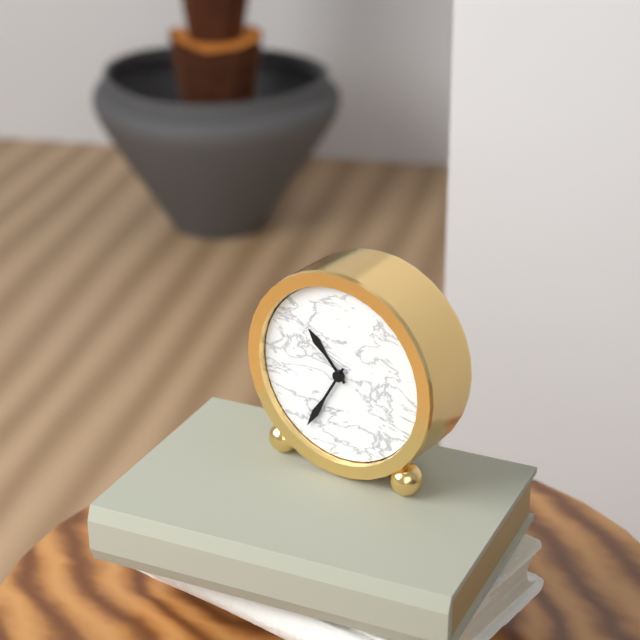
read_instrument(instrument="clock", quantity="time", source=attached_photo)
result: 10:35
